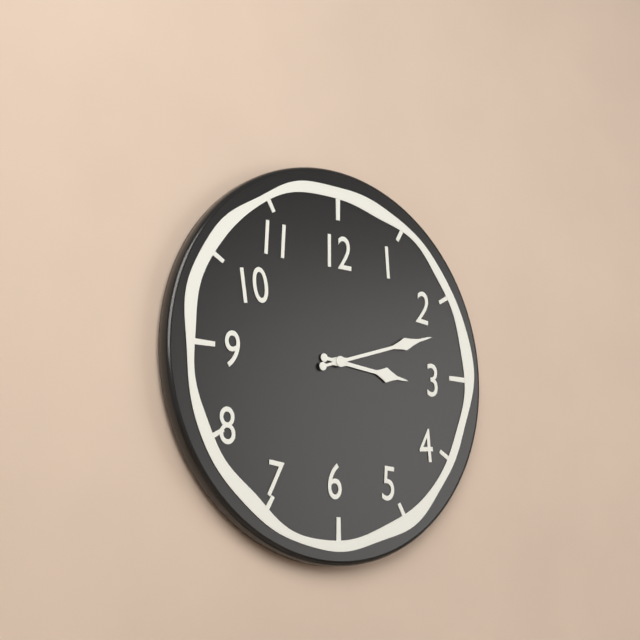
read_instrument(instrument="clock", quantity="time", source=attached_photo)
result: 3:12
